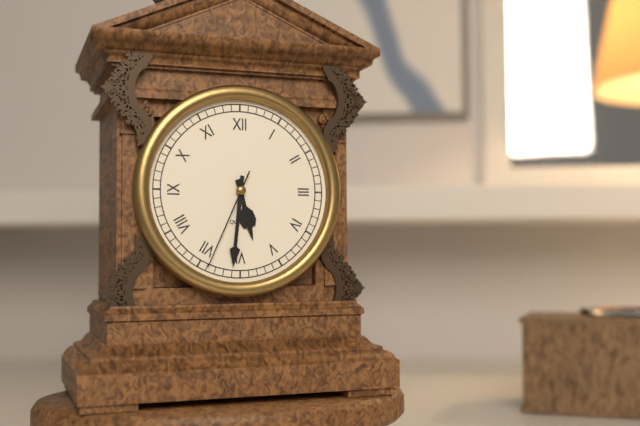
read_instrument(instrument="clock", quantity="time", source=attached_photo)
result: 5:31:34
